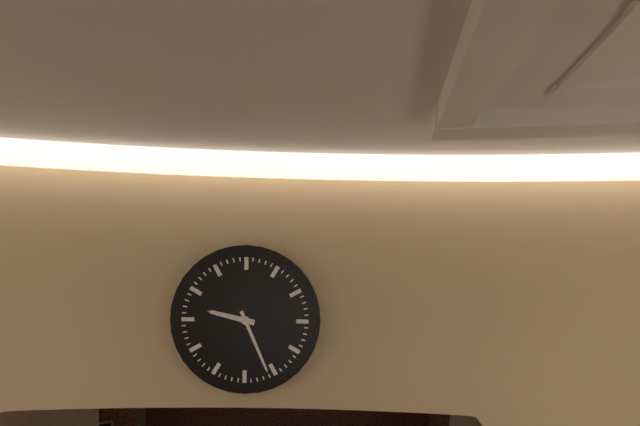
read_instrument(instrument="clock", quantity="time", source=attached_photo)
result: 9:26
